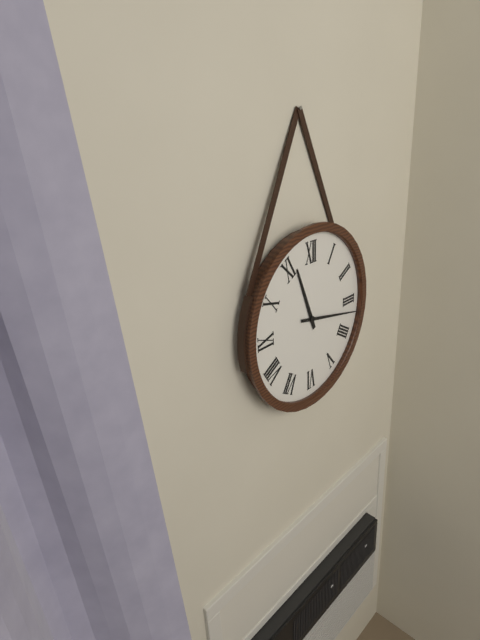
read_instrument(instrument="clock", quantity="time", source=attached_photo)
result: 11:17
